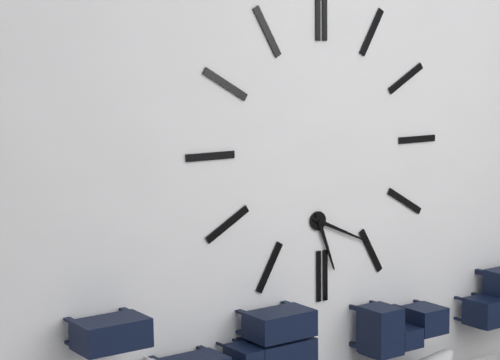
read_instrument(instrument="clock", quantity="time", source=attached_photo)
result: 5:19
